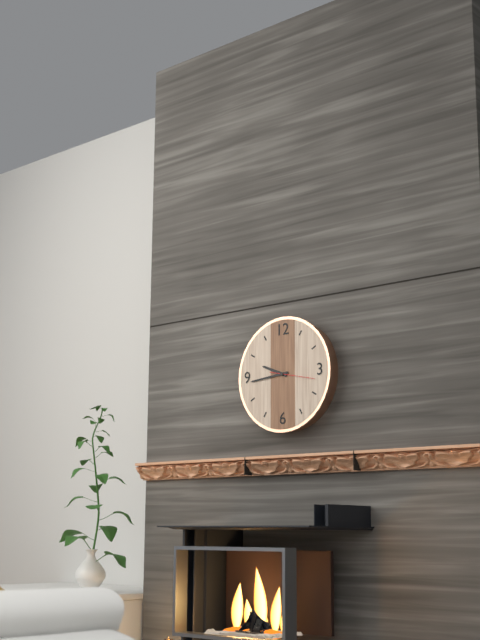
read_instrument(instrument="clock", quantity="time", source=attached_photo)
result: 9:44
